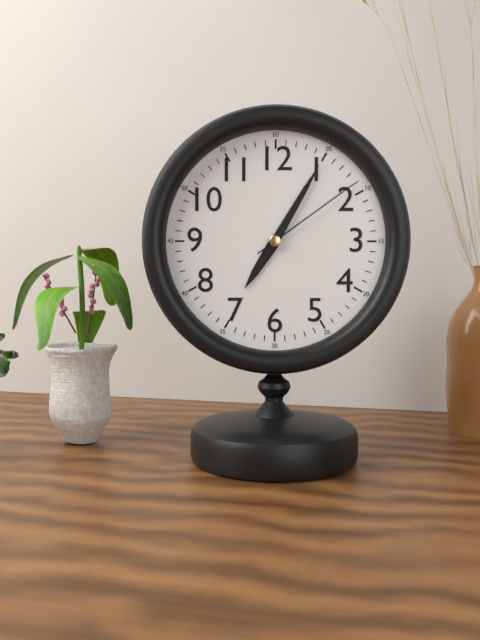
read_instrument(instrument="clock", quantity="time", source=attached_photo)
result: 7:05:09
